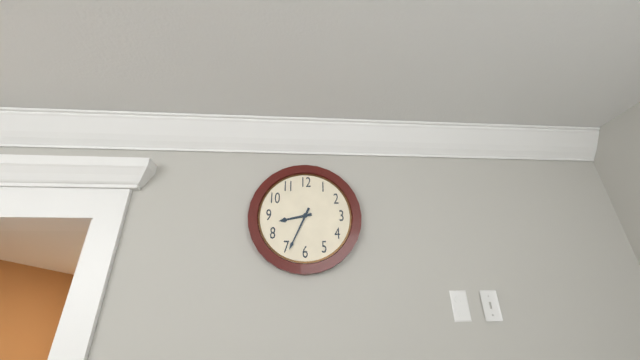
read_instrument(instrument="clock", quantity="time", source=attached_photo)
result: 8:34
